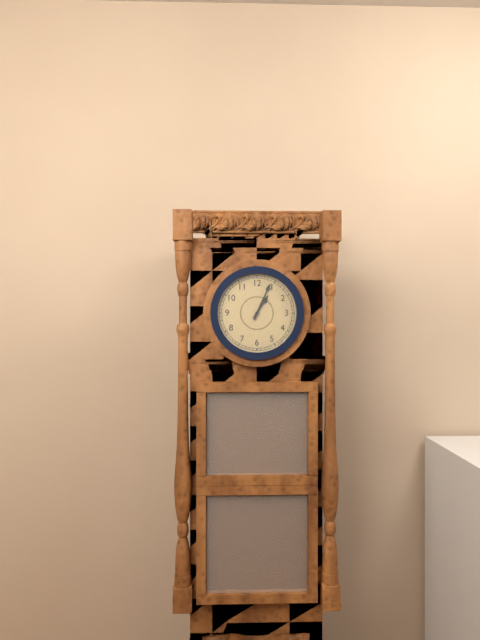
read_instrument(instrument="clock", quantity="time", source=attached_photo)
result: 1:04
